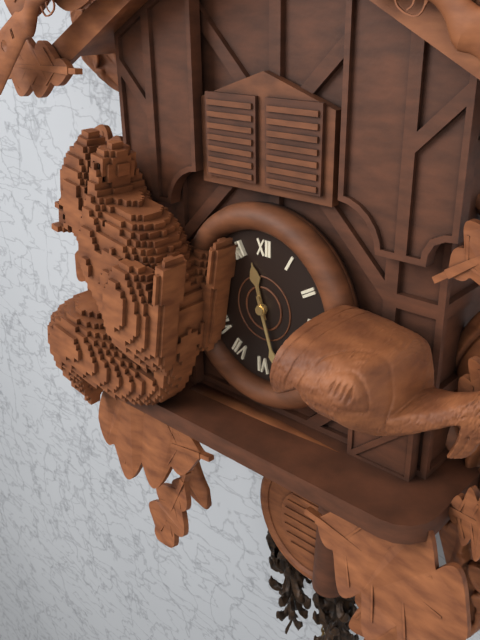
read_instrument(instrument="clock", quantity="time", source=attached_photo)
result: 11:27
